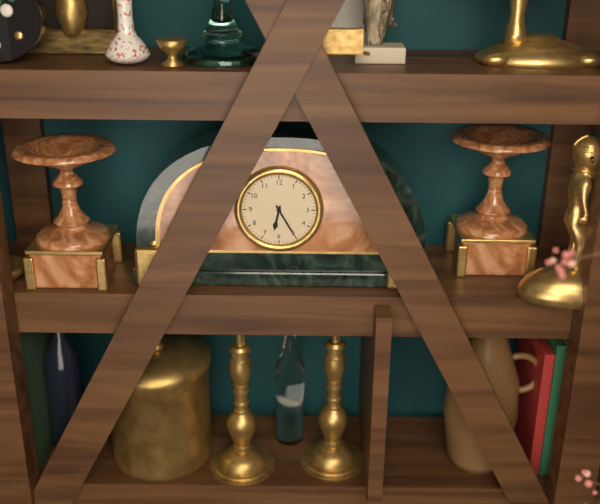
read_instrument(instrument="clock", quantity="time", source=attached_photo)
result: 6:25
